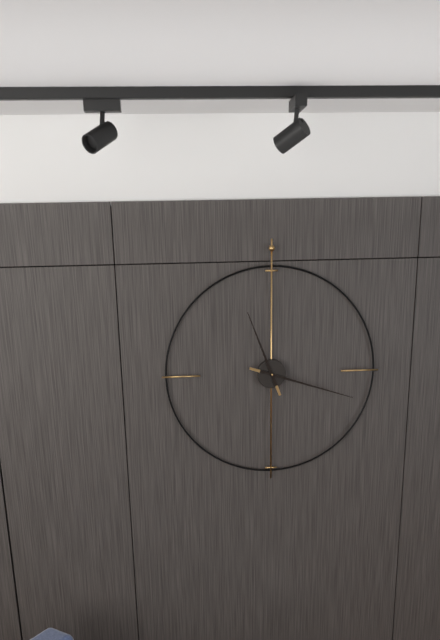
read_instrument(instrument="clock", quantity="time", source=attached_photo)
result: 11:18
